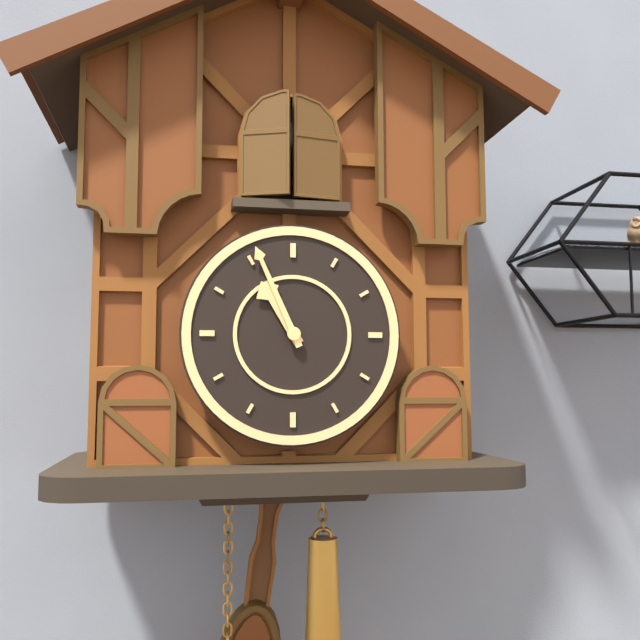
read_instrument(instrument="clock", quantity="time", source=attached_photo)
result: 10:56
